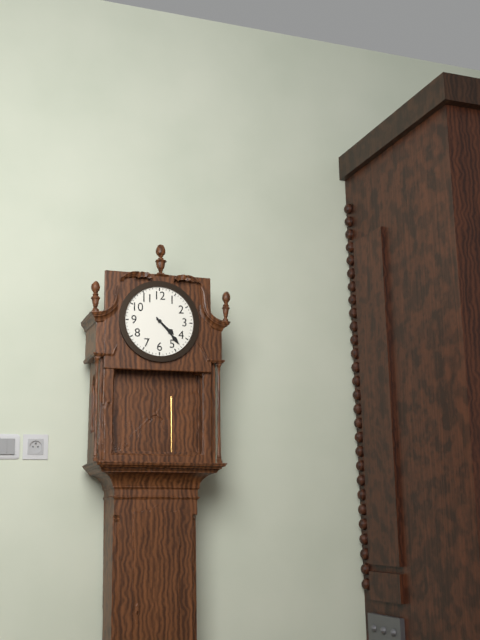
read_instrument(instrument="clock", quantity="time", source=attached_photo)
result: 4:23
